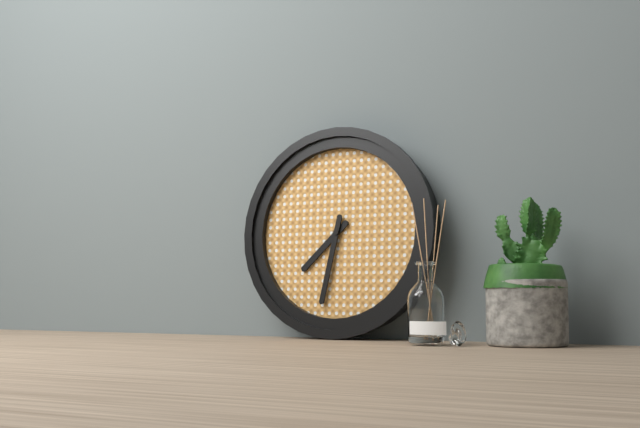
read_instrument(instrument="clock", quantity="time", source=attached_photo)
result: 7:32
